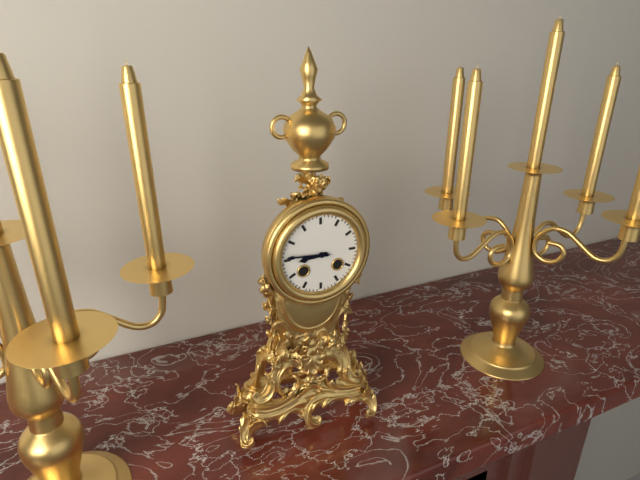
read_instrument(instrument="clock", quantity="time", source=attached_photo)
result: 8:46
